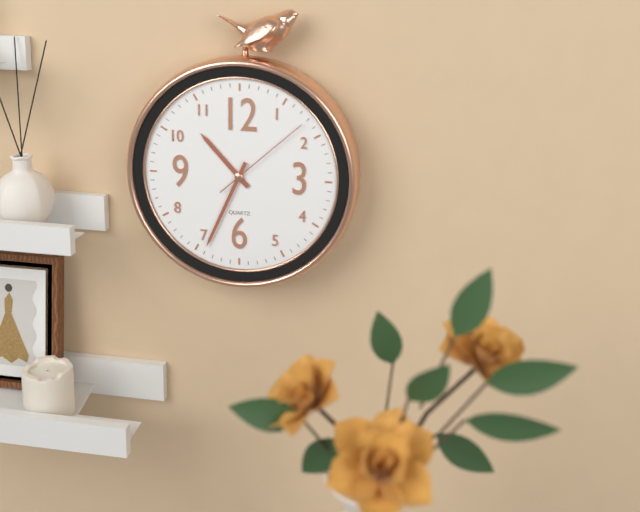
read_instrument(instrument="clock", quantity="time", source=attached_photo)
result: 10:34:08
